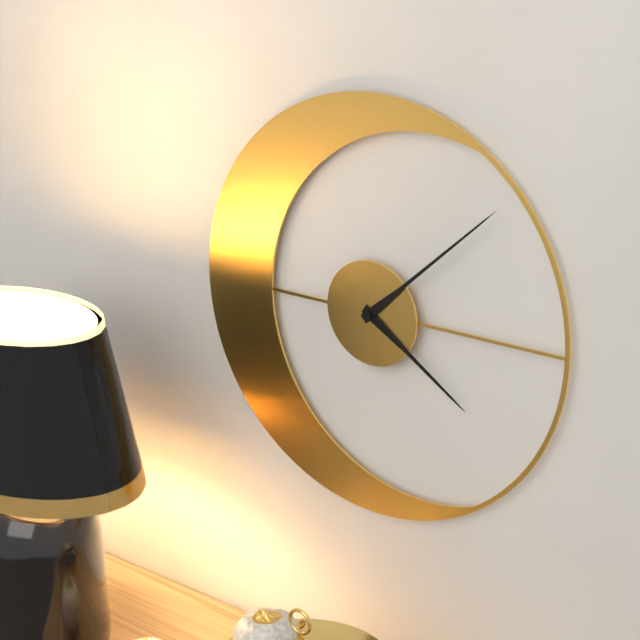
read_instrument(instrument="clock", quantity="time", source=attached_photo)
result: 4:08
